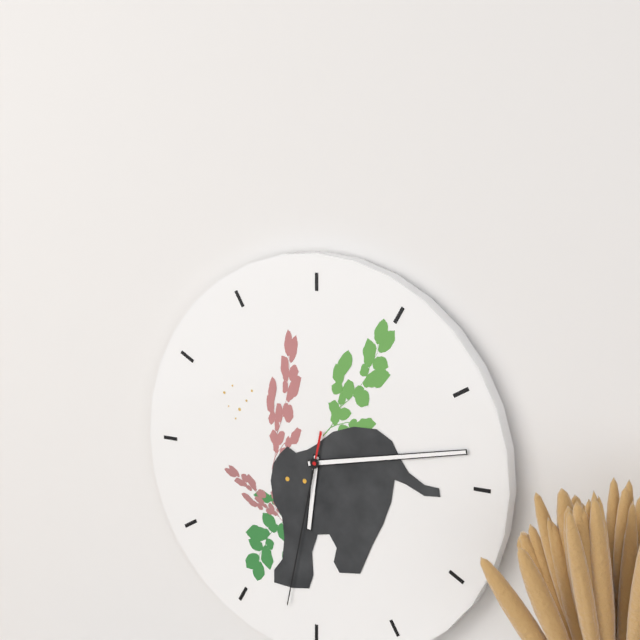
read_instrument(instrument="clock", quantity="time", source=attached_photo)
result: 6:13:32
